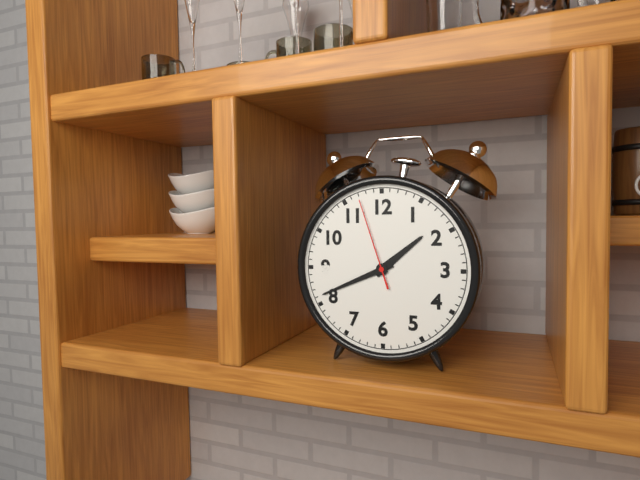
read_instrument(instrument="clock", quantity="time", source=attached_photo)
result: 1:41:57
